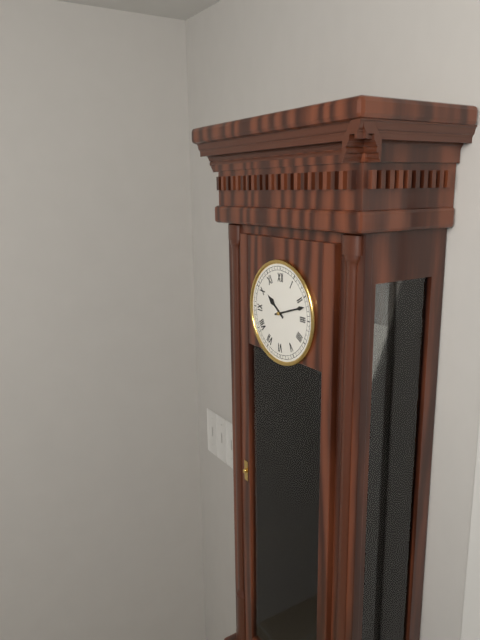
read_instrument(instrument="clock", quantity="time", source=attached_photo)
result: 10:12
